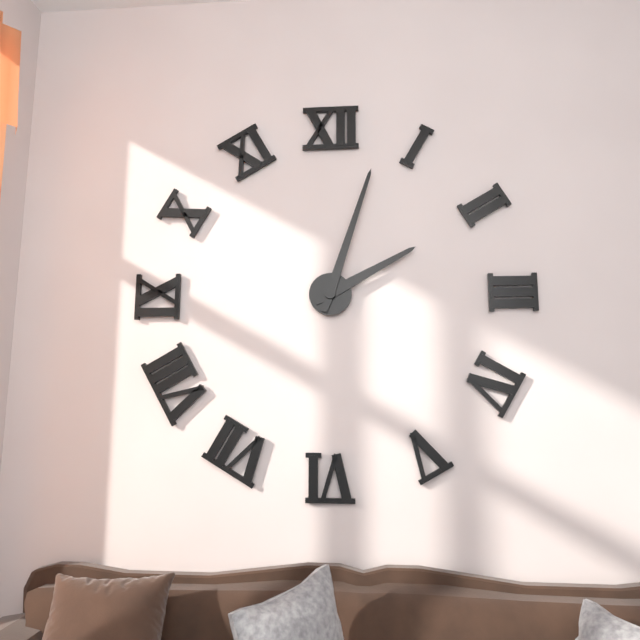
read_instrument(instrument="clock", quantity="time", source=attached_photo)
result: 2:03
